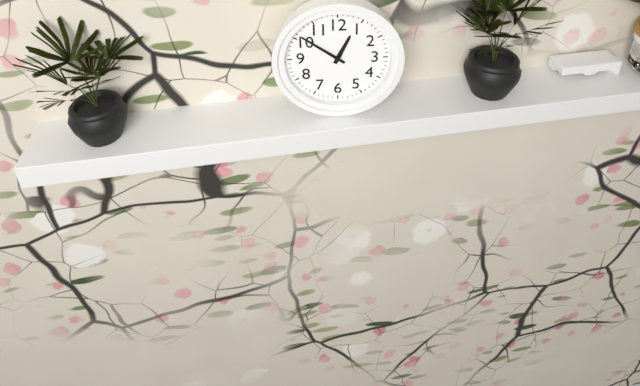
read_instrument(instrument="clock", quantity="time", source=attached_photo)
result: 12:51
